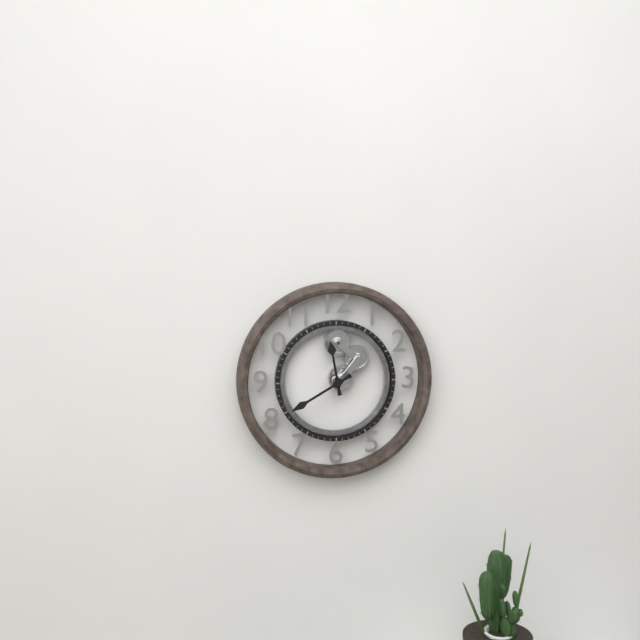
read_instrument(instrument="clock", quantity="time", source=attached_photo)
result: 11:40
